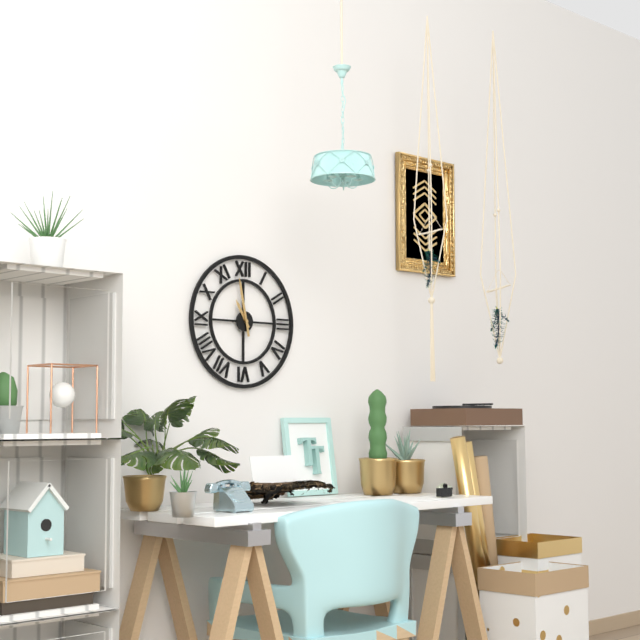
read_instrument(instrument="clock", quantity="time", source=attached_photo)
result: 10:58
